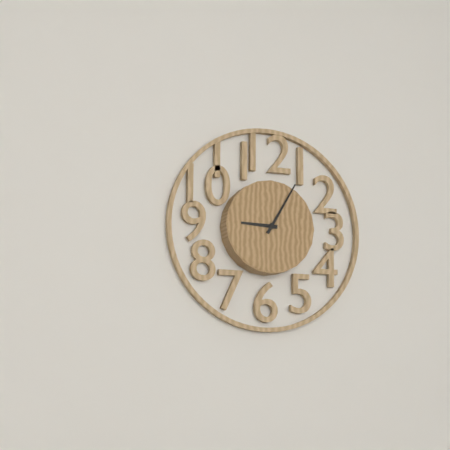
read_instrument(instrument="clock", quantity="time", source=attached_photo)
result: 9:05
